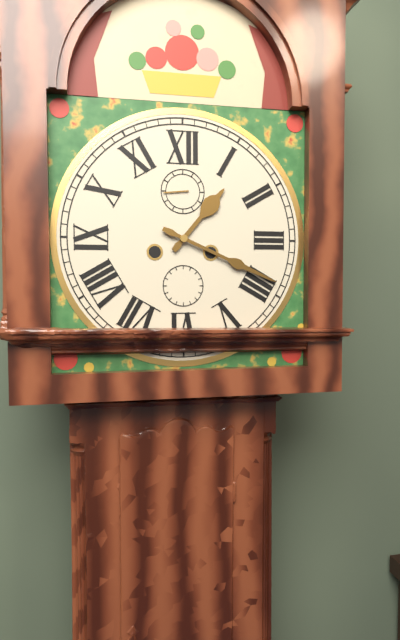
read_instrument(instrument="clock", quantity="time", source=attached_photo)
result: 1:19
